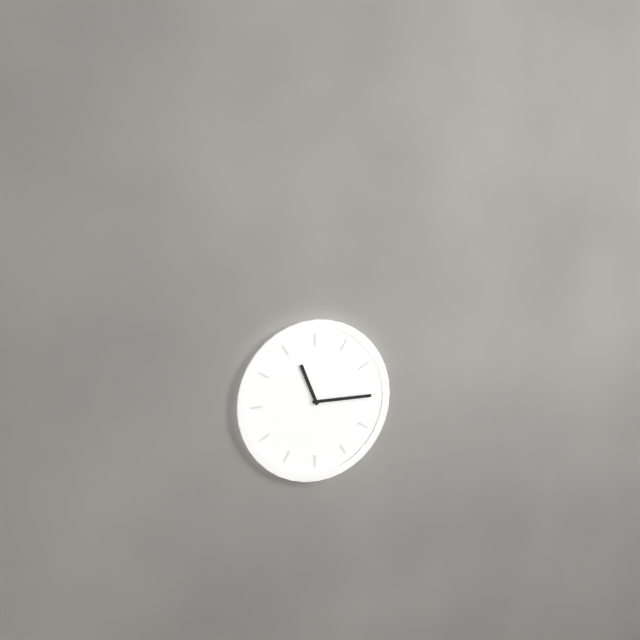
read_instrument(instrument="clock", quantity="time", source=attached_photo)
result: 11:15
